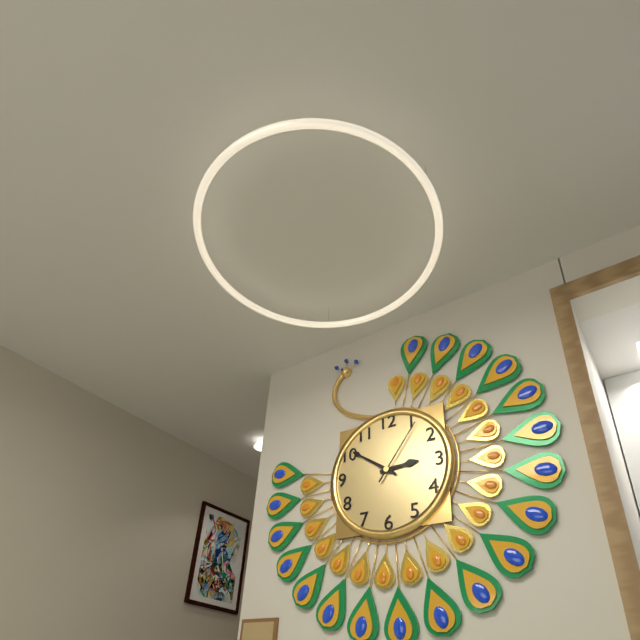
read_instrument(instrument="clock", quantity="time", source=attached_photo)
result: 2:51:06
